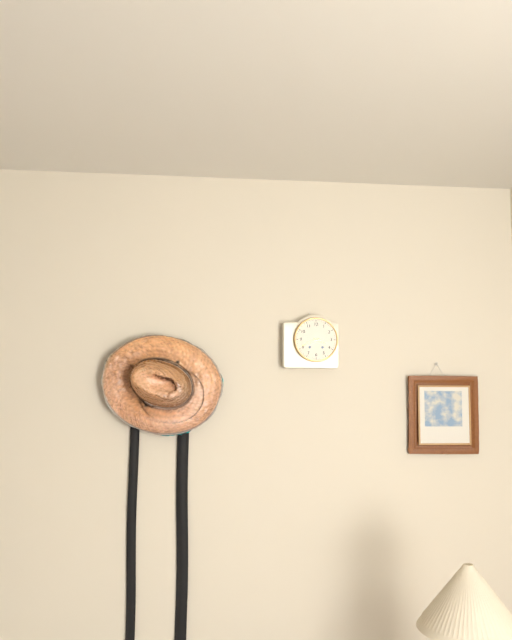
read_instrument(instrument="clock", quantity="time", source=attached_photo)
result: 3:41
